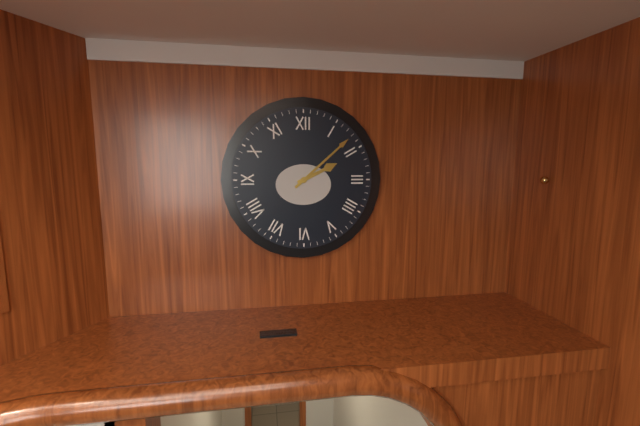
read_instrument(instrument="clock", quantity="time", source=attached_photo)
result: 2:08
